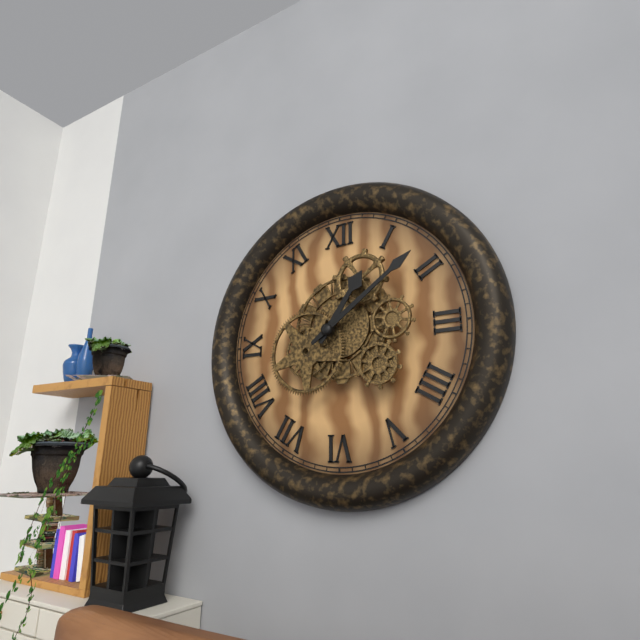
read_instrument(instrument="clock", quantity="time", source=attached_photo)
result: 1:09
